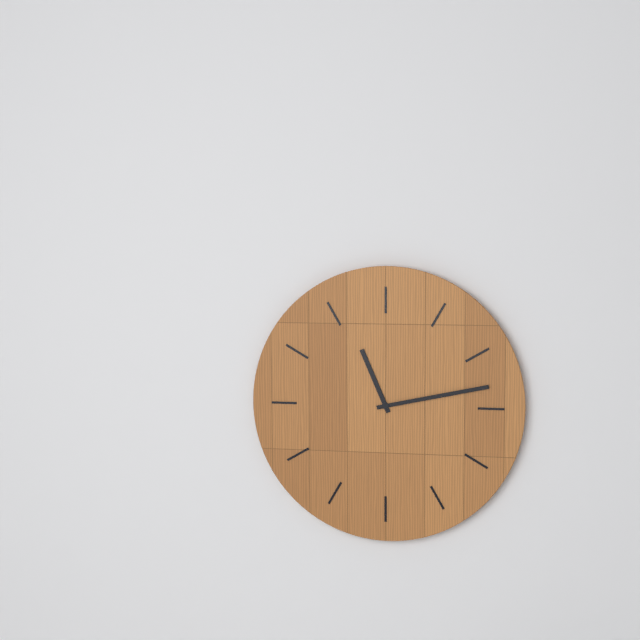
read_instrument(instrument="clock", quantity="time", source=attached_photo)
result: 11:13
